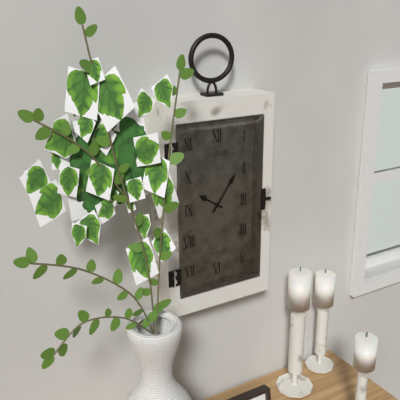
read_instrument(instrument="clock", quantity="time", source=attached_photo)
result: 10:06
